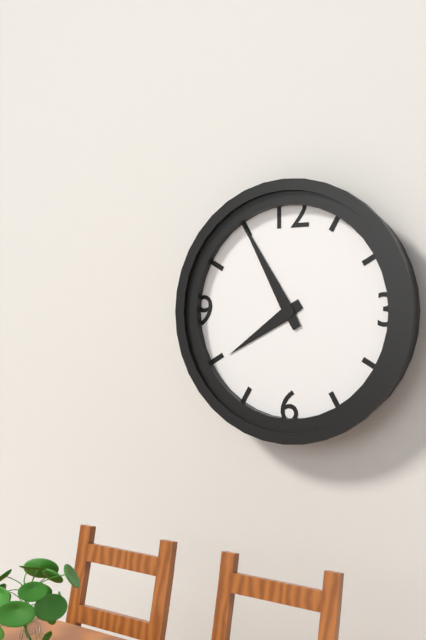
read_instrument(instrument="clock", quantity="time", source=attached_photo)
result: 7:55
